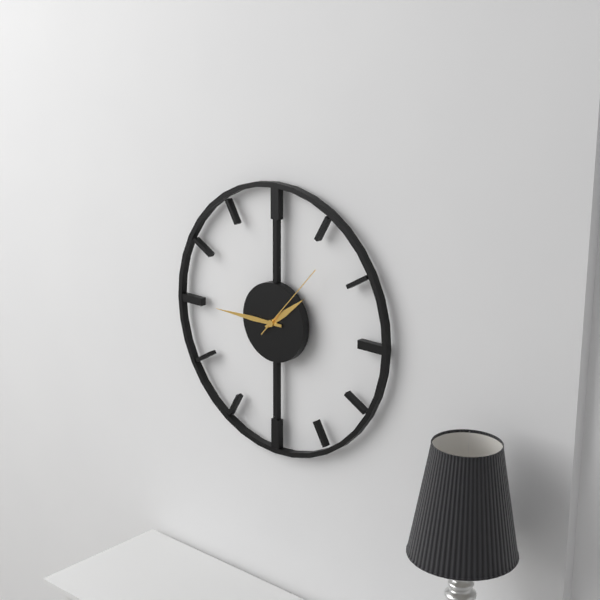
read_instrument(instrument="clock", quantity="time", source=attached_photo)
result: 1:45:07
